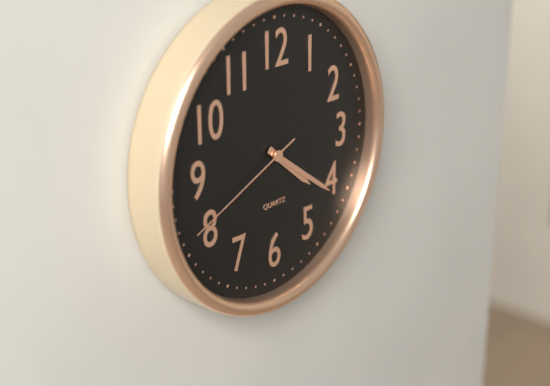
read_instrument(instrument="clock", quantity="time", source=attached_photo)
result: 4:21:41
